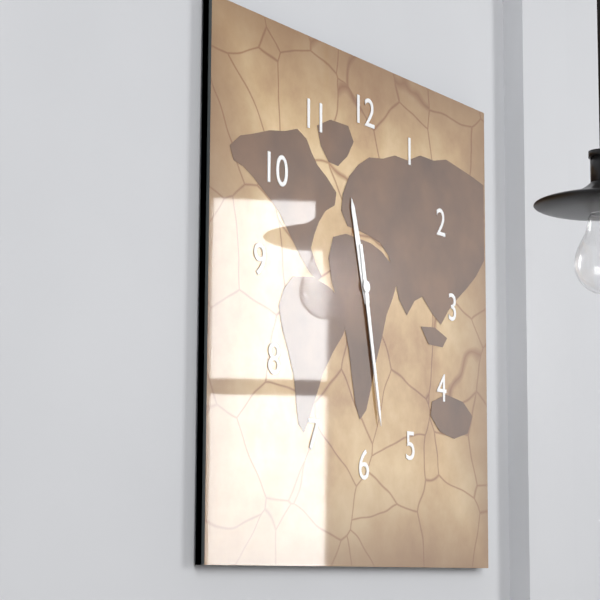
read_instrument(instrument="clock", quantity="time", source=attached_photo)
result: 11:28
